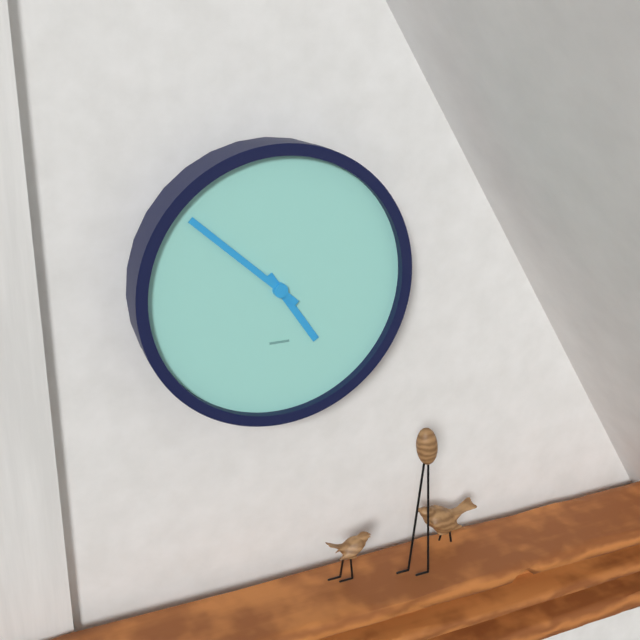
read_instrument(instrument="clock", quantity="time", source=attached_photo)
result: 4:52
